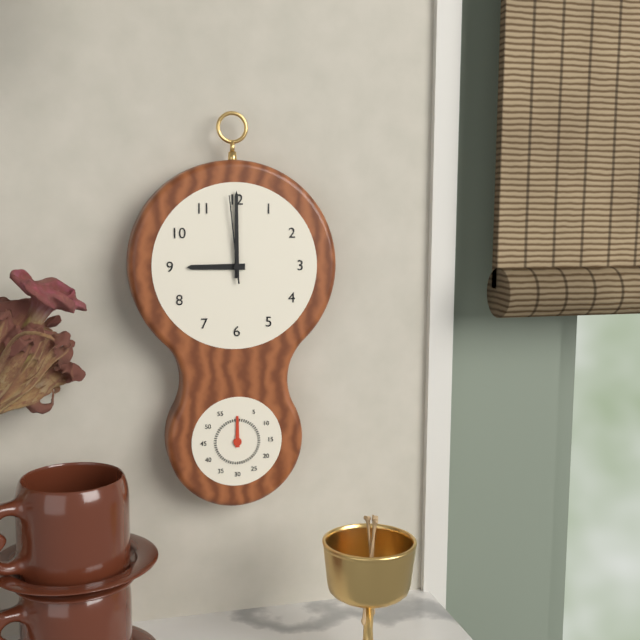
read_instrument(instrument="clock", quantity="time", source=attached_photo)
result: 9:00:59
